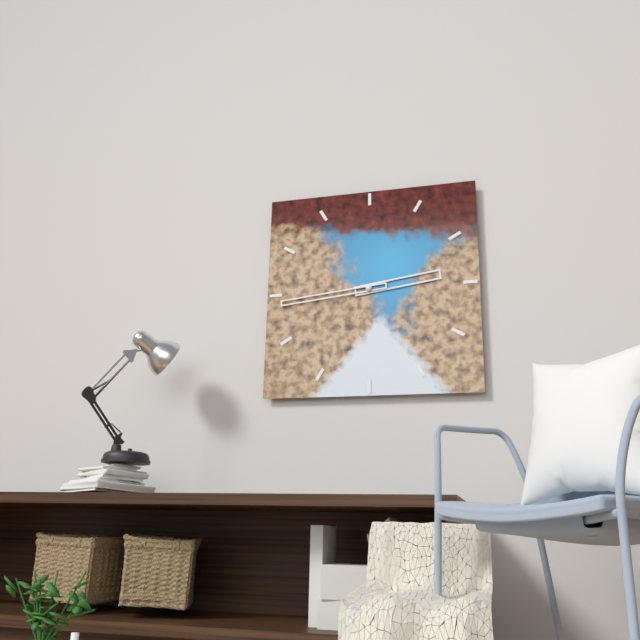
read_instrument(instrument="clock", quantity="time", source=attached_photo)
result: 2:44
